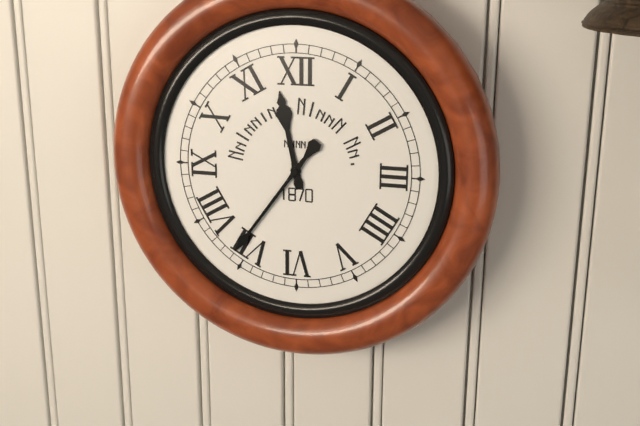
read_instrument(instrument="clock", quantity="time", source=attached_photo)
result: 11:36
